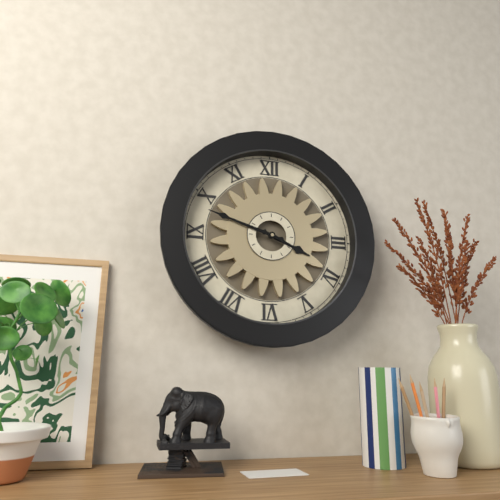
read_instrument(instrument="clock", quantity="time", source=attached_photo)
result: 3:48
